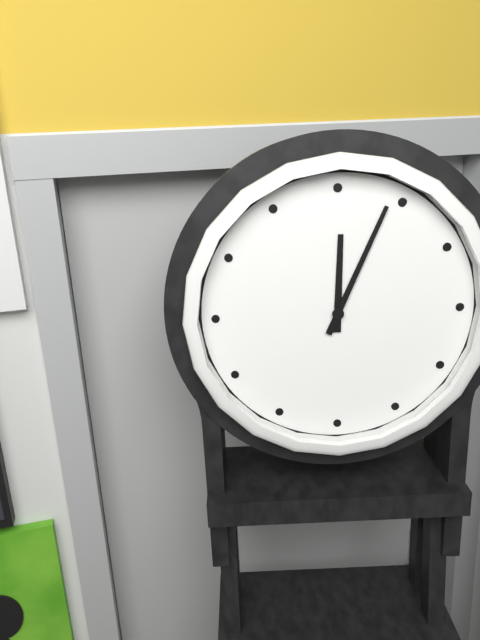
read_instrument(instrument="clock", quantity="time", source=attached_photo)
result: 12:04
